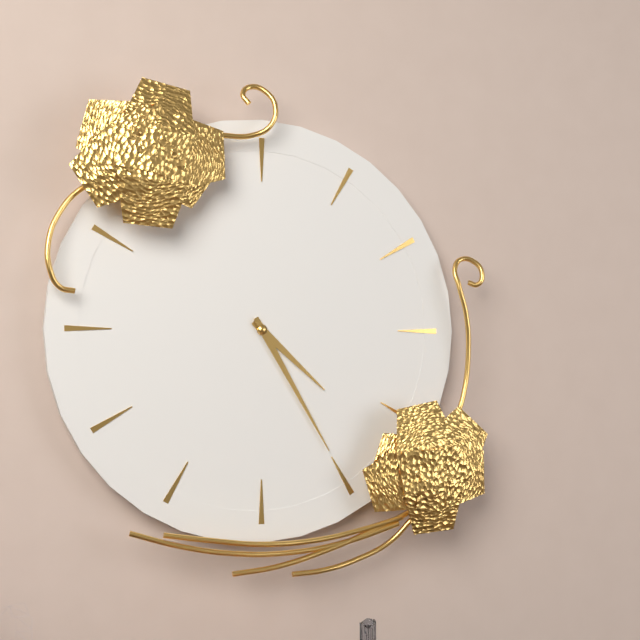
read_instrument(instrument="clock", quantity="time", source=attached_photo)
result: 4:25
